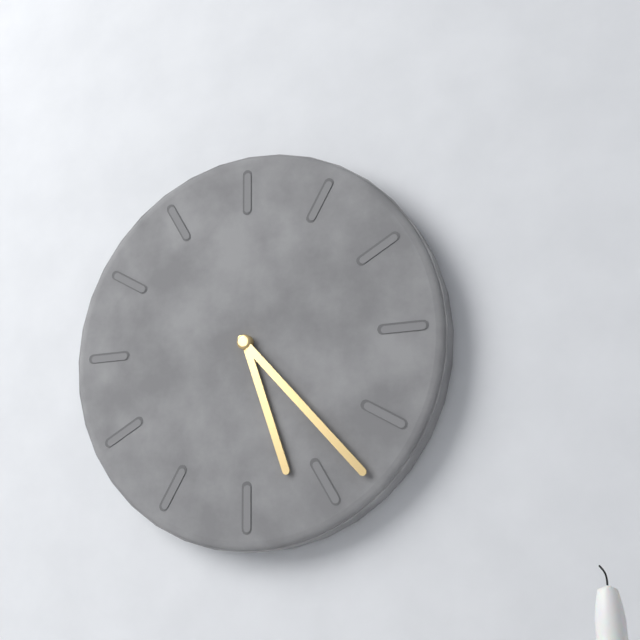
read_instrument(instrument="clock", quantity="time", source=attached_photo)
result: 5:23
